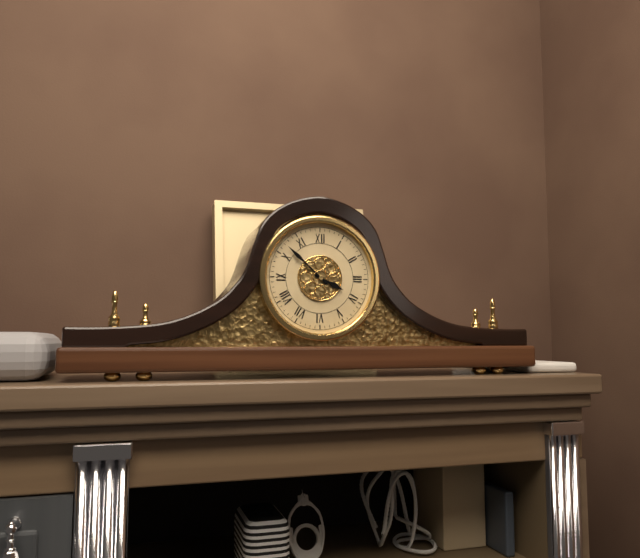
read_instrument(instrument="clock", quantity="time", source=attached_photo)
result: 3:52
